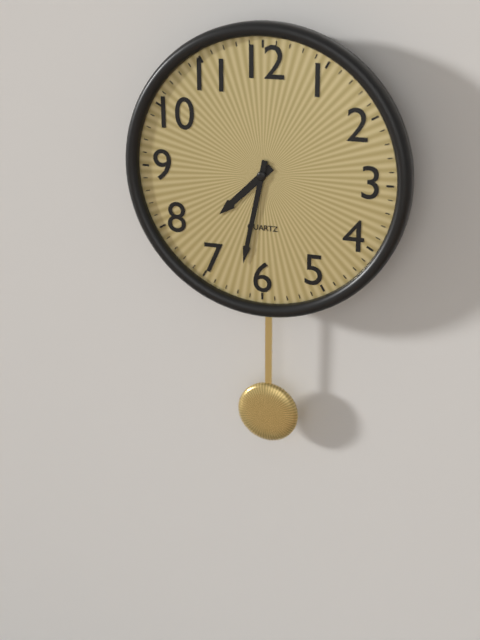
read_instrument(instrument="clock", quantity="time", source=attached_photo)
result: 7:32
